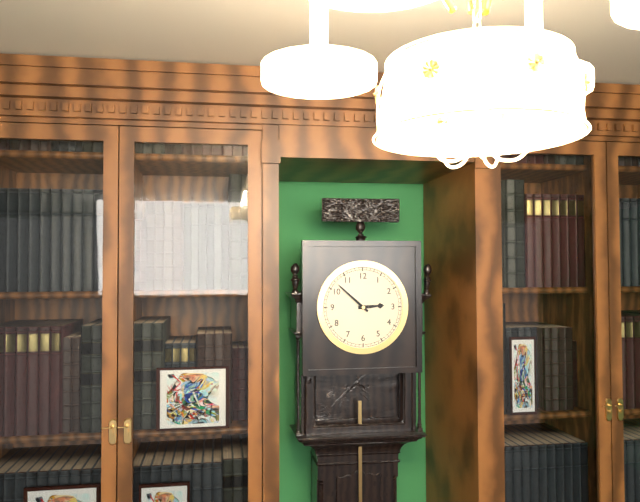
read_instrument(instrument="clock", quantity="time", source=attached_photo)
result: 2:52
